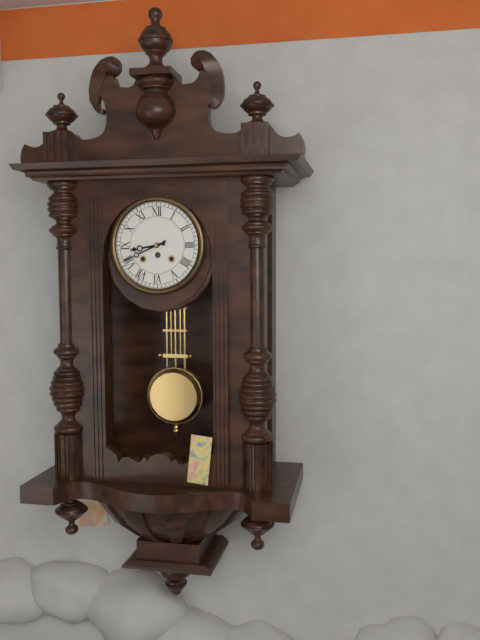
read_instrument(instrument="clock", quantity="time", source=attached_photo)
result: 8:41
